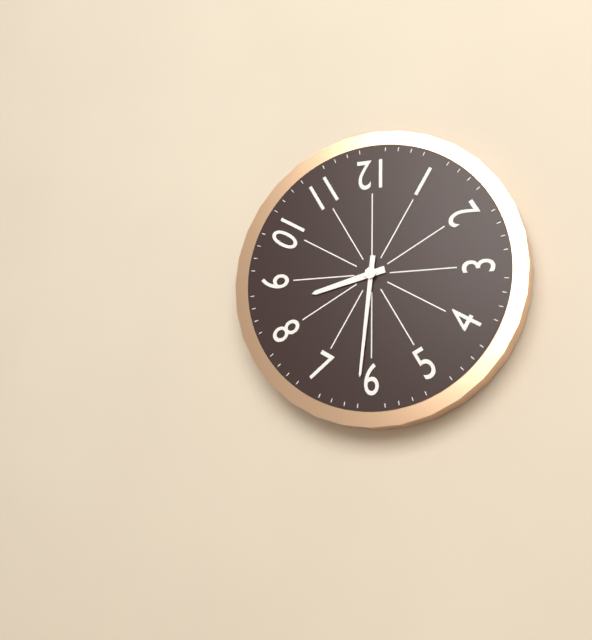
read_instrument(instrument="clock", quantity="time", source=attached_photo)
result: 8:31
